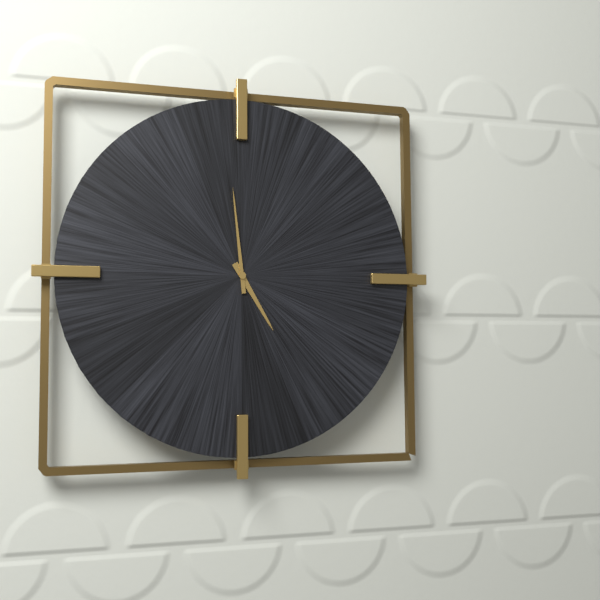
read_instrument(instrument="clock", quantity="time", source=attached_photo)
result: 4:59
